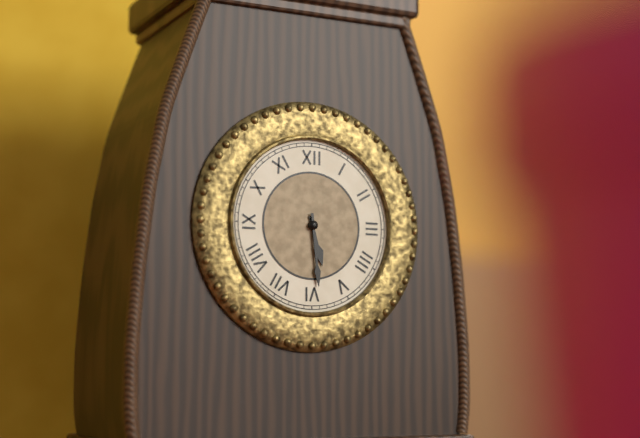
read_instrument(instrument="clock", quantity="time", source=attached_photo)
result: 5:29
